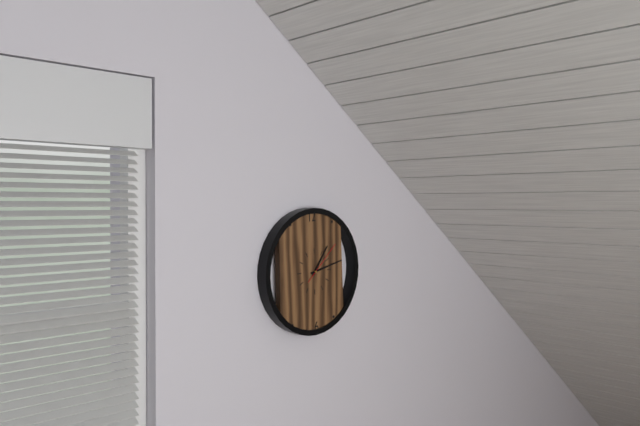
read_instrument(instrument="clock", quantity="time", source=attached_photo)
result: 1:13
